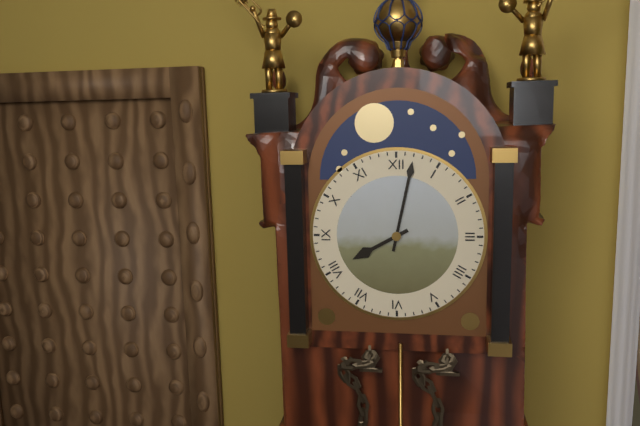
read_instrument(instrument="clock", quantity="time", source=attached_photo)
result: 8:02
